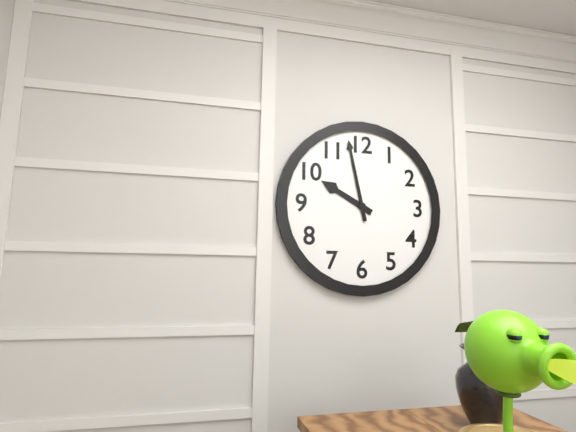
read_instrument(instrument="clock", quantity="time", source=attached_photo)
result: 9:58
